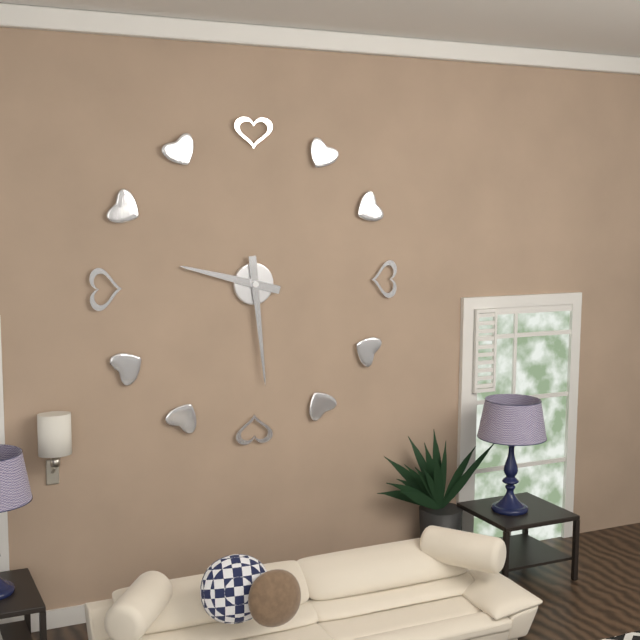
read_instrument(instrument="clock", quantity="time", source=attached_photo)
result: 9:29
